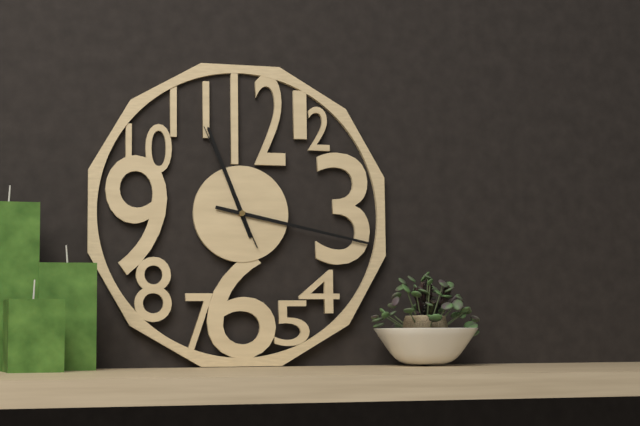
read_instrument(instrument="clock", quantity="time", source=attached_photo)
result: 11:17:56
